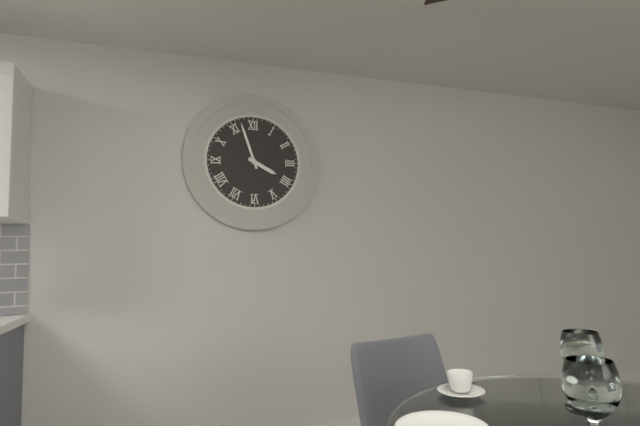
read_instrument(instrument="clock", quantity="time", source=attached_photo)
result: 3:57
